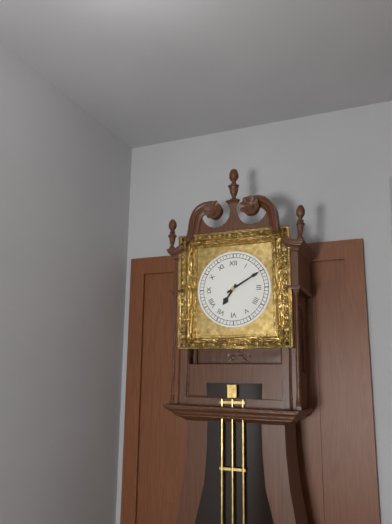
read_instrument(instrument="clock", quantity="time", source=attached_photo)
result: 7:10
